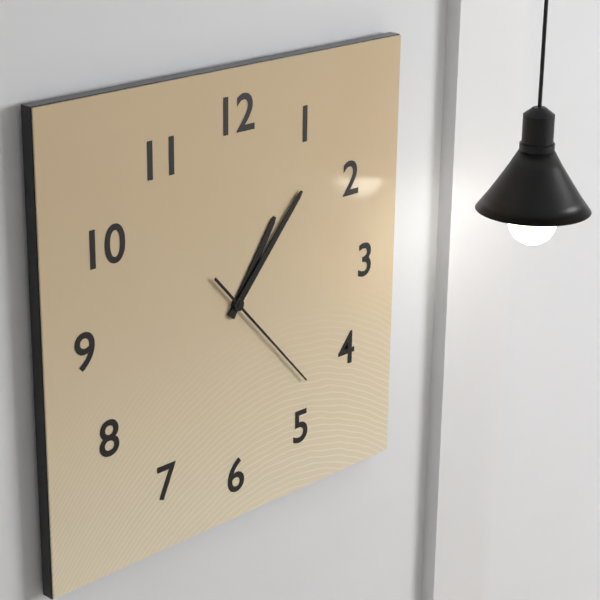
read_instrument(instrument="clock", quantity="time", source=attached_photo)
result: 1:07:23
